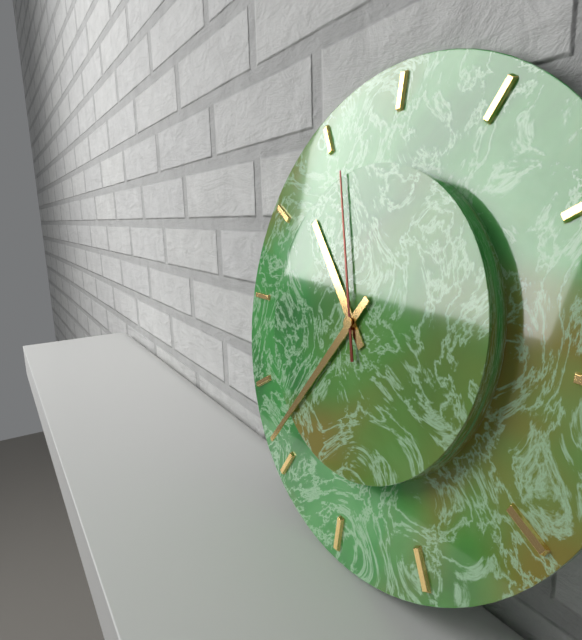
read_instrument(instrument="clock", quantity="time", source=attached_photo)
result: 10:36:57
